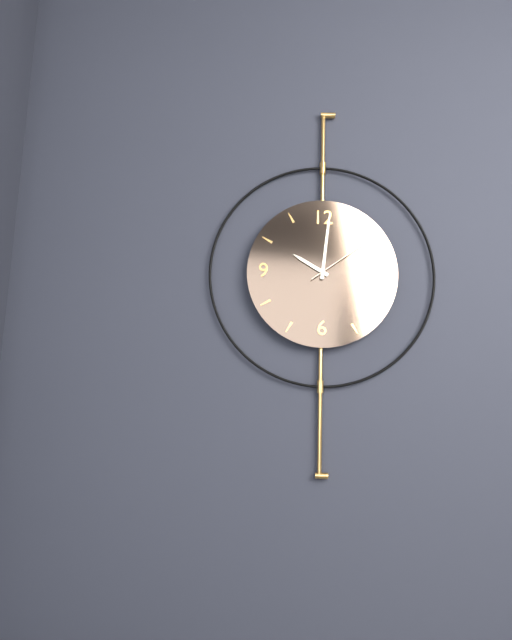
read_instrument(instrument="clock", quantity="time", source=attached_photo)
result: 10:01:09
